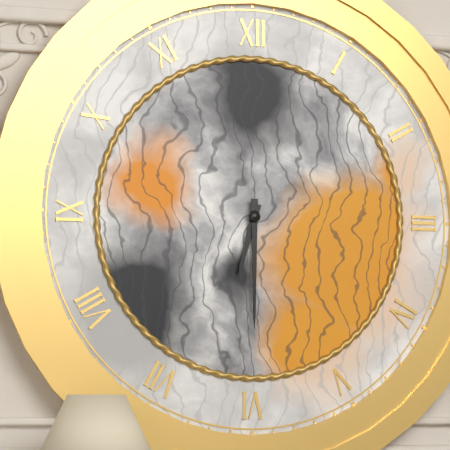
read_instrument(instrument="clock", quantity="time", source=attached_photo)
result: 6:30
